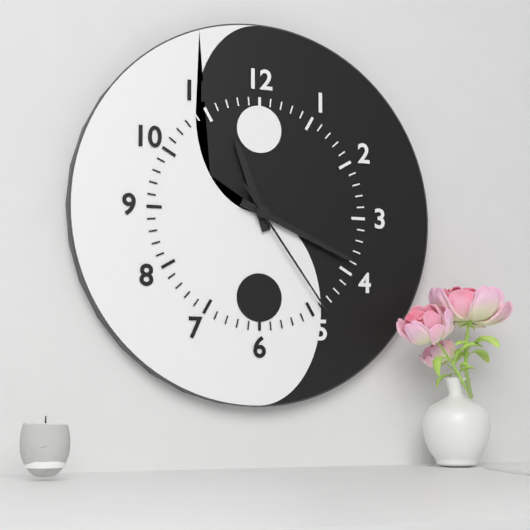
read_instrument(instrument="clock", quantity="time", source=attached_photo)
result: 11:19:24
